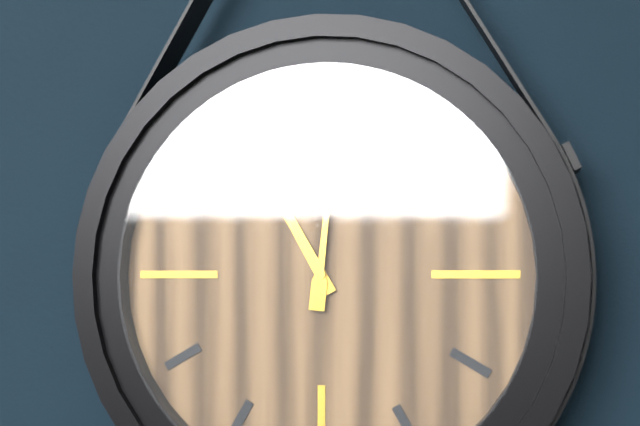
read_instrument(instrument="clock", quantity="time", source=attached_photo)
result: 11:01
